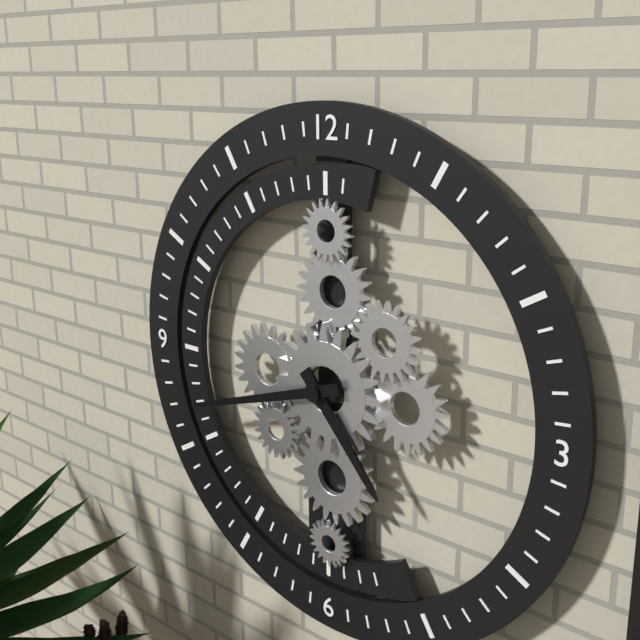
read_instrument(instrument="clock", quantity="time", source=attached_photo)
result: 4:42
